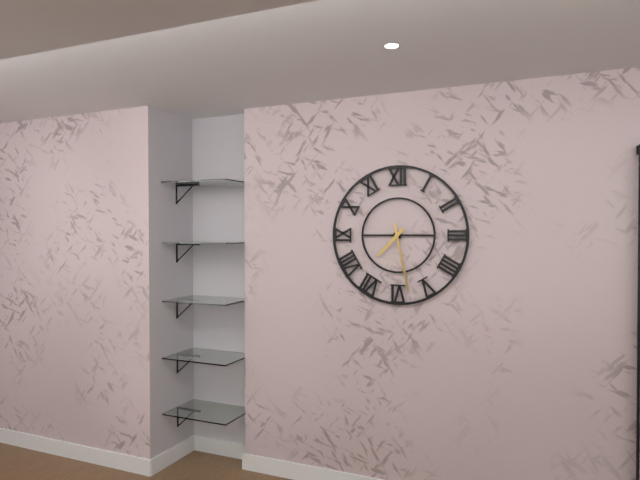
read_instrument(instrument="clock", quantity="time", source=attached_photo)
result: 7:28
